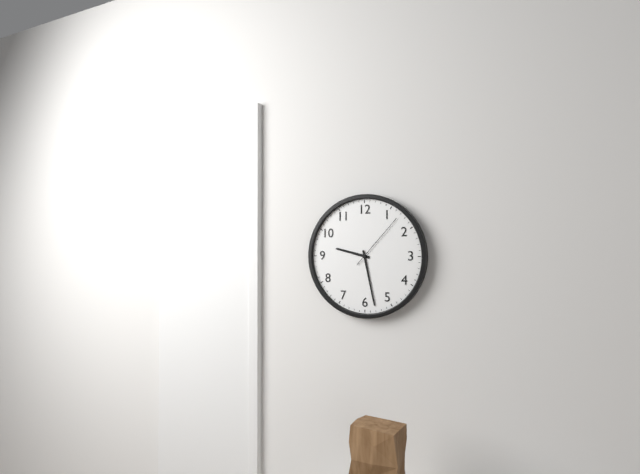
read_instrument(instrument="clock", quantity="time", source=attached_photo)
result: 9:28:07
